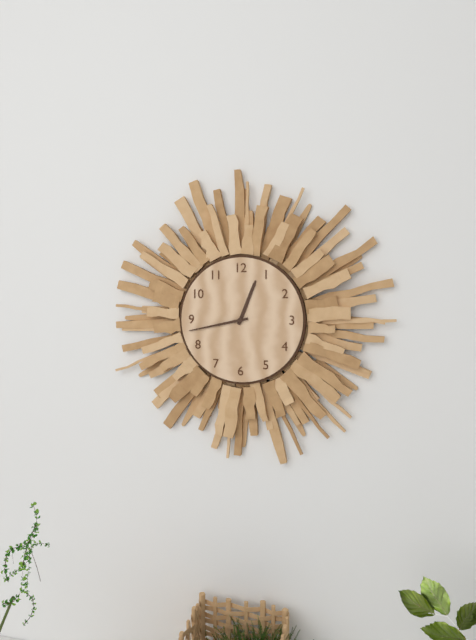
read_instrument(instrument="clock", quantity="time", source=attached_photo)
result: 12:43
